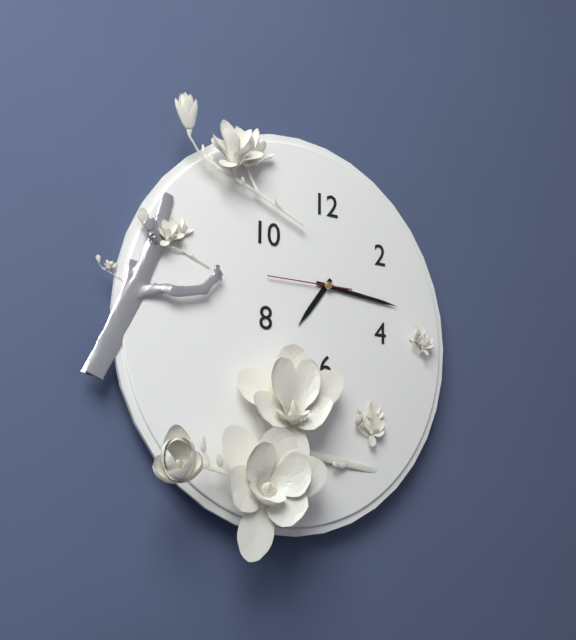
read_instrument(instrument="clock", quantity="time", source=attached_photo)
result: 7:16:45
